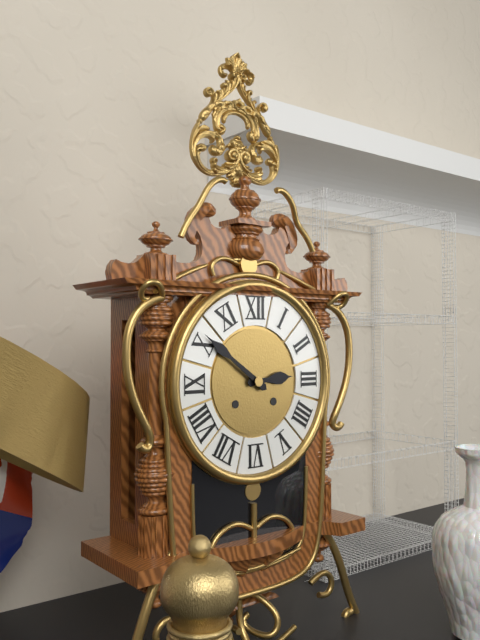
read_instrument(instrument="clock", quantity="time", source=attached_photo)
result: 2:51
